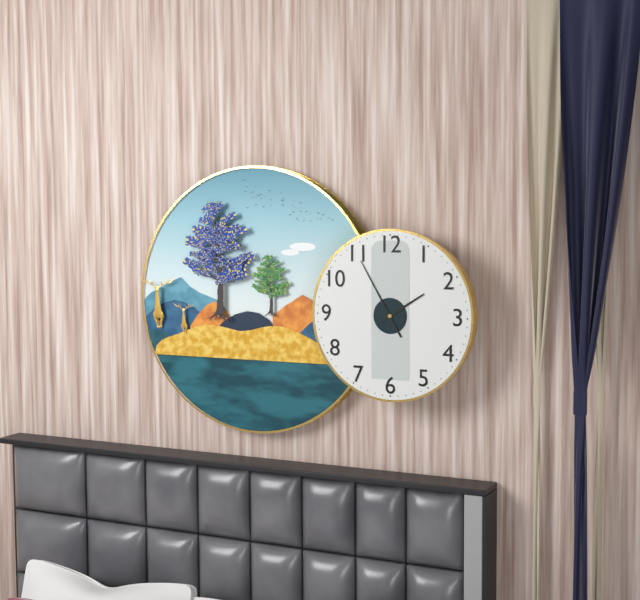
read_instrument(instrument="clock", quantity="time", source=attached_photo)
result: 1:55
